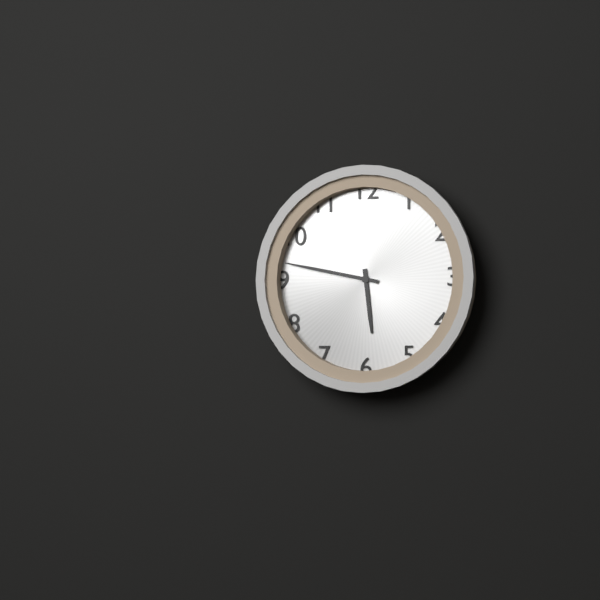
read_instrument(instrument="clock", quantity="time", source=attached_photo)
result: 5:47
